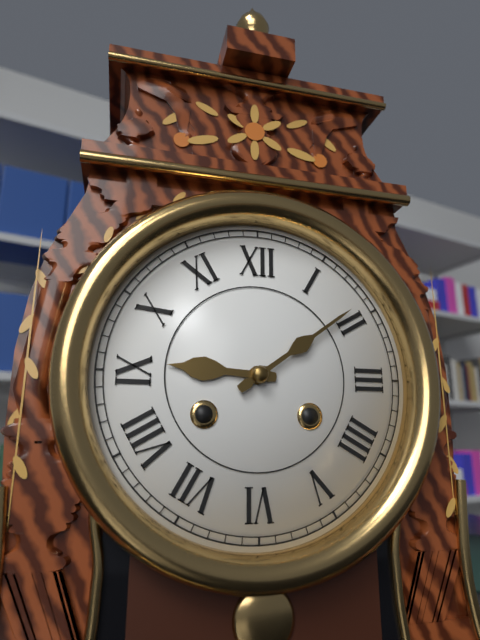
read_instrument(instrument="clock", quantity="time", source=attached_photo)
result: 9:09
